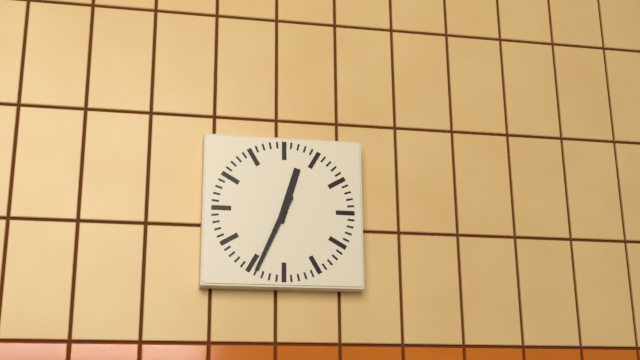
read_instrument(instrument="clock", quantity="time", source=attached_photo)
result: 12:34
